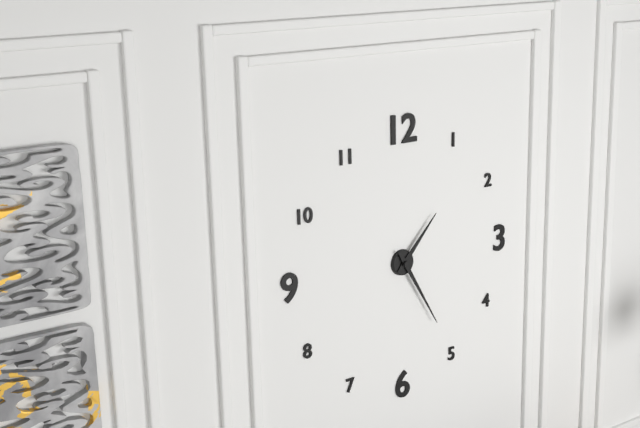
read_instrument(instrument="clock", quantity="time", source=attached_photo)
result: 1:25
